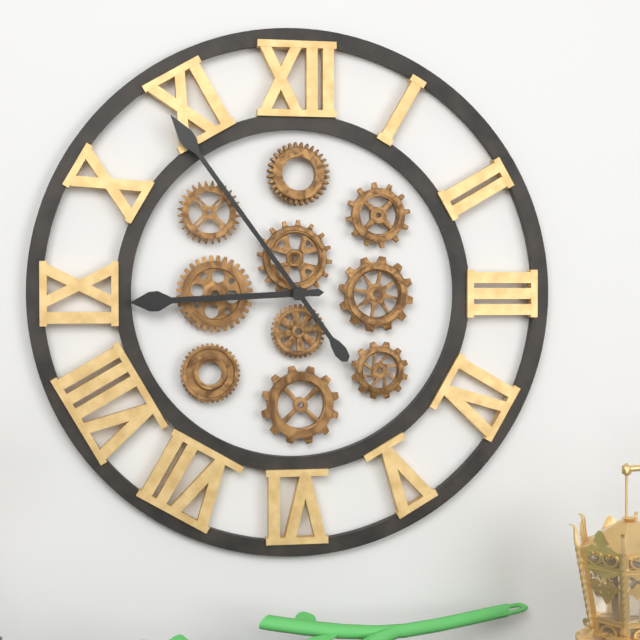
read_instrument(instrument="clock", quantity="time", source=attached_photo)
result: 8:54
